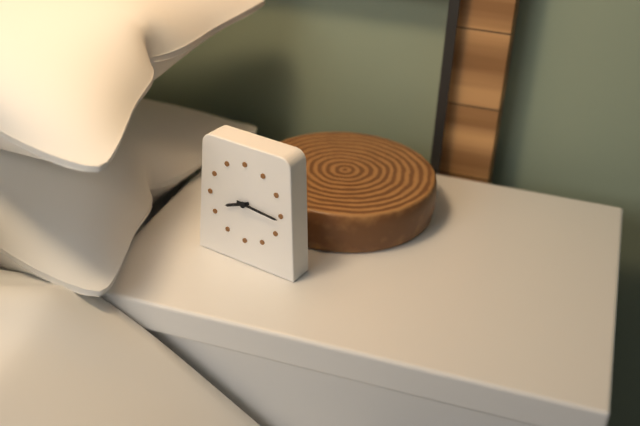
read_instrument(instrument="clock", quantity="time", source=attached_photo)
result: 8:16
